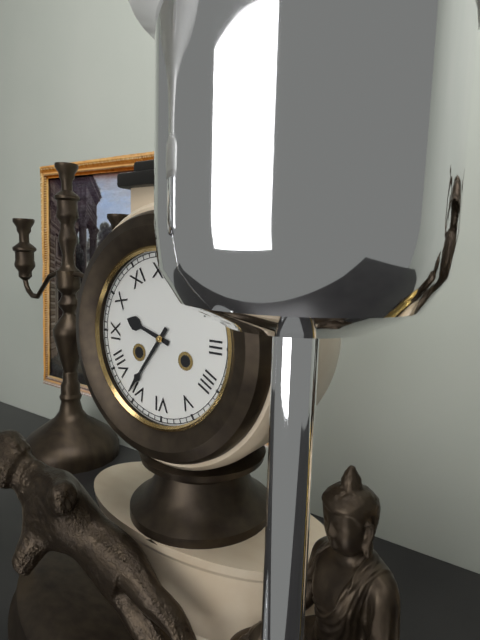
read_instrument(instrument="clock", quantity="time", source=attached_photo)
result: 9:36
